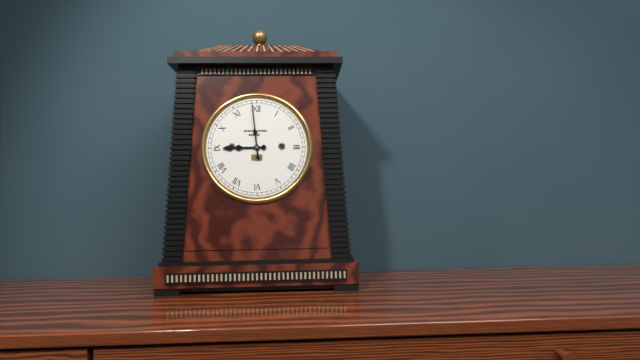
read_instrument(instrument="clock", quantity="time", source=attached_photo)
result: 8:59
